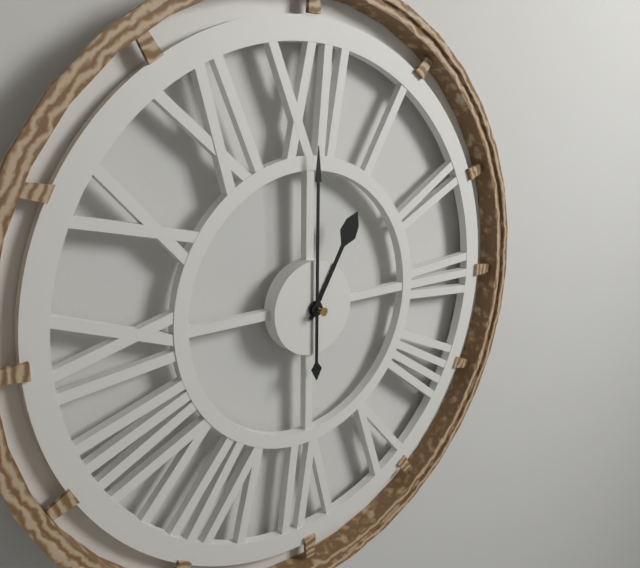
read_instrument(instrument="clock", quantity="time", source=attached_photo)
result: 1:00
